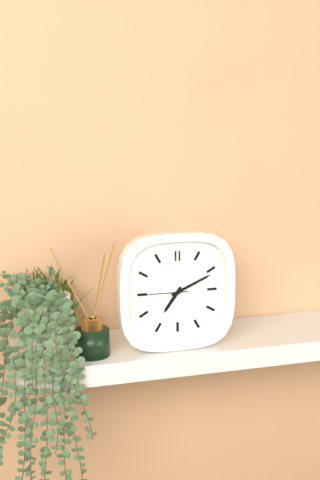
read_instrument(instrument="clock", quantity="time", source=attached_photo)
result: 7:11
